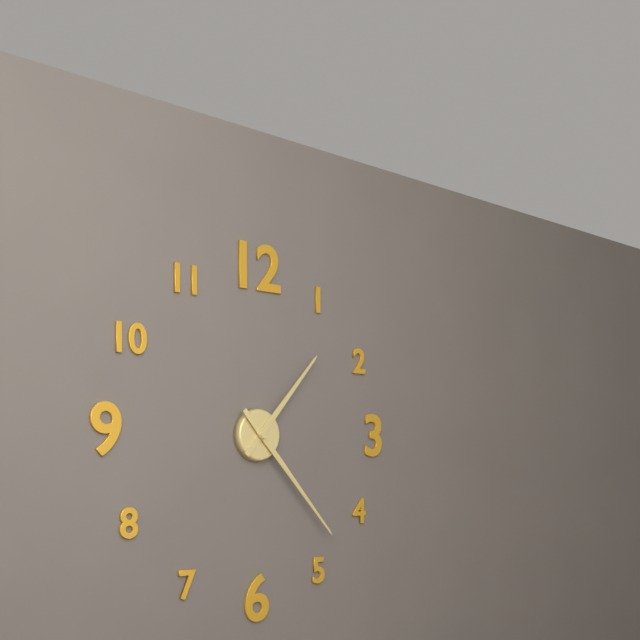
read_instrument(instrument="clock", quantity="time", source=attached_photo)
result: 1:23
